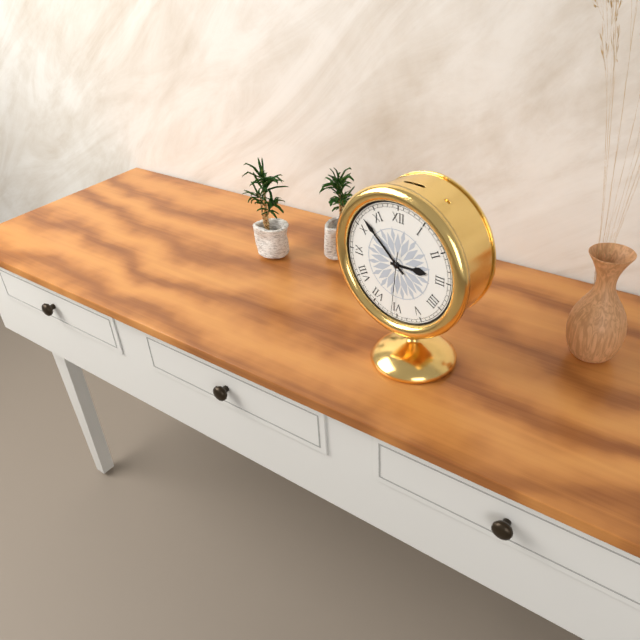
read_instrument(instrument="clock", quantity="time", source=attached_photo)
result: 2:52:31
